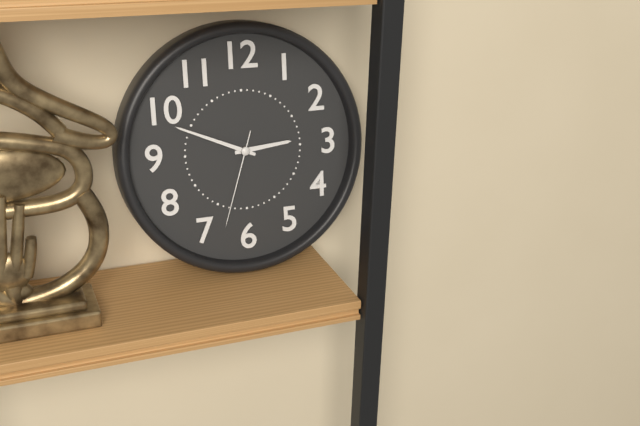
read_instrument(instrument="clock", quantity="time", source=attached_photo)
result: 2:49:33
